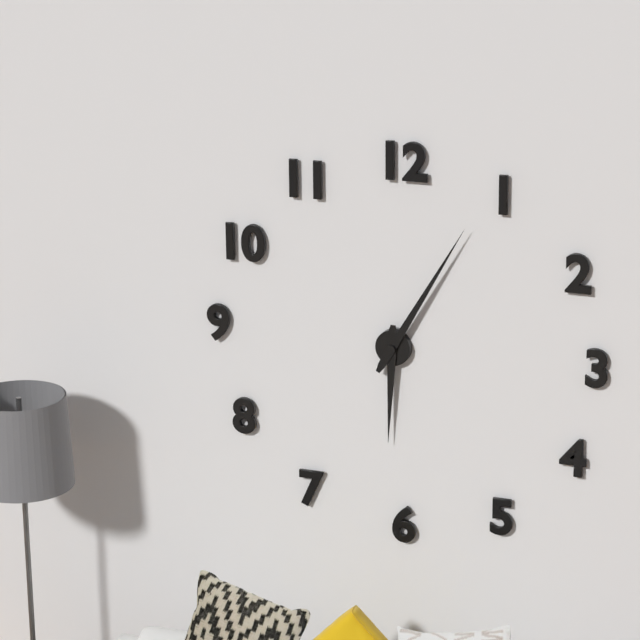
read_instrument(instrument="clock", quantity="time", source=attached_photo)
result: 6:05
